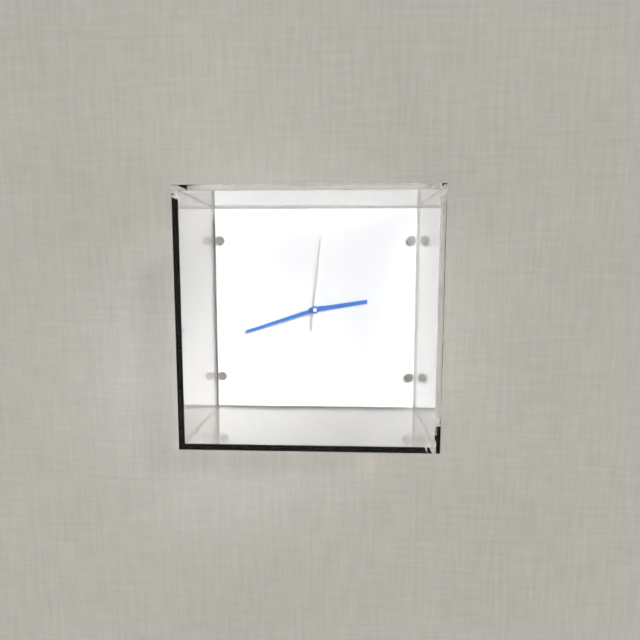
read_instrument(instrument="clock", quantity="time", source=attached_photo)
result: 2:42:01
